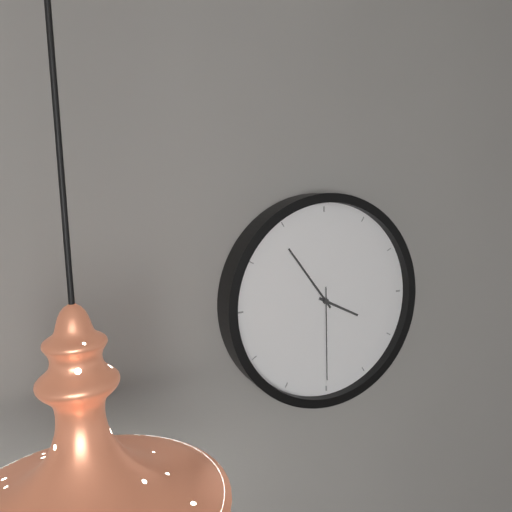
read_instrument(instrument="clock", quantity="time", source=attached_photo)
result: 3:54:30
